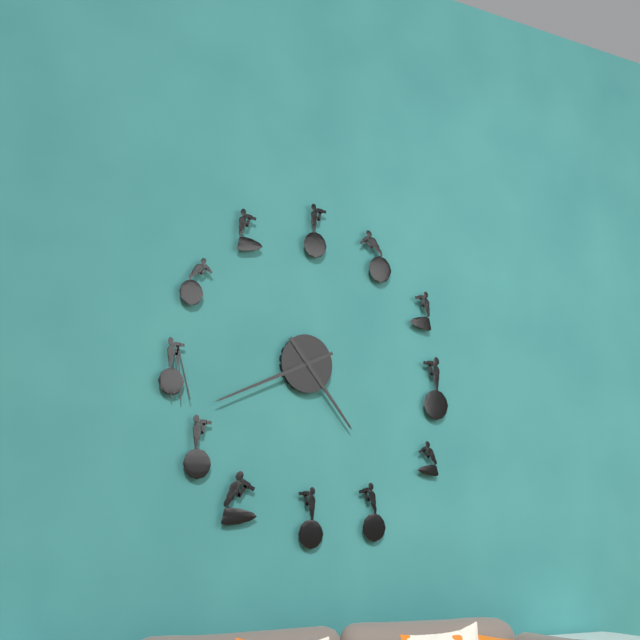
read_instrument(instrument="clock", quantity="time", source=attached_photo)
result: 4:41
